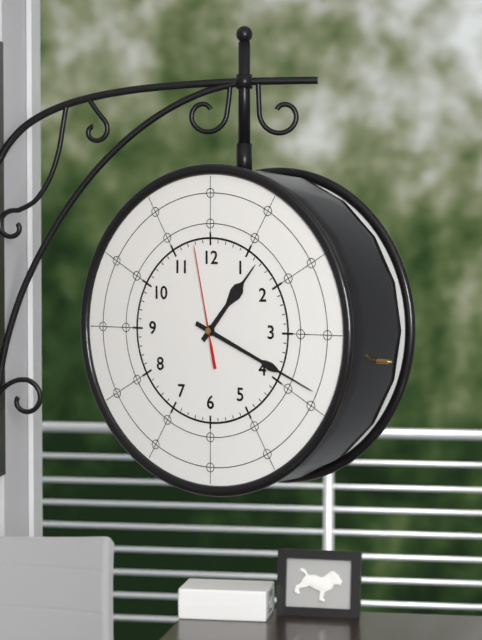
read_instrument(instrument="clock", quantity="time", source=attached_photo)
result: 1:19:58
